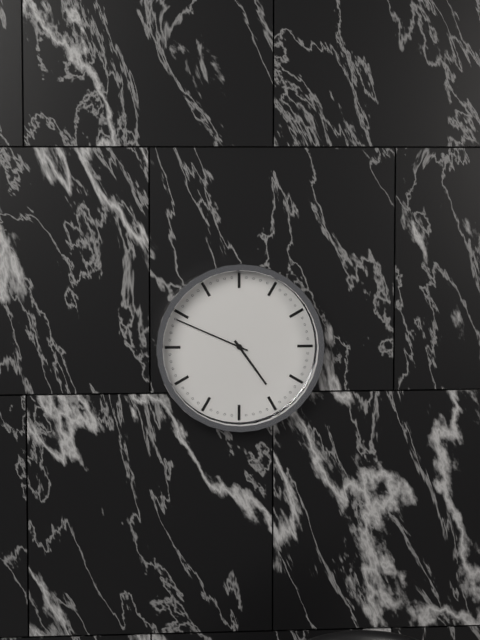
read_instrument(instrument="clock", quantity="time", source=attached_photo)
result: 4:49
